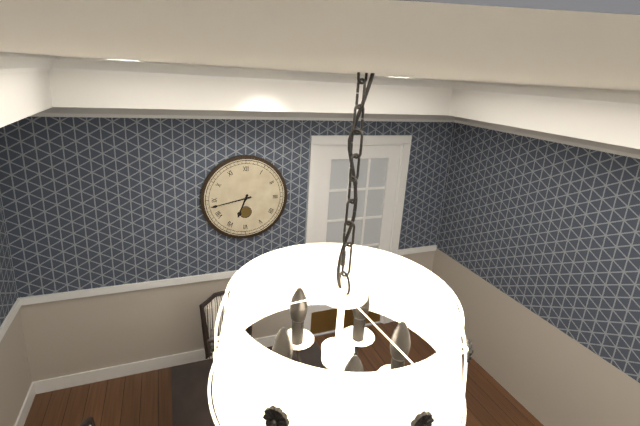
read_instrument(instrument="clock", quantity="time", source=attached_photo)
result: 6:43
